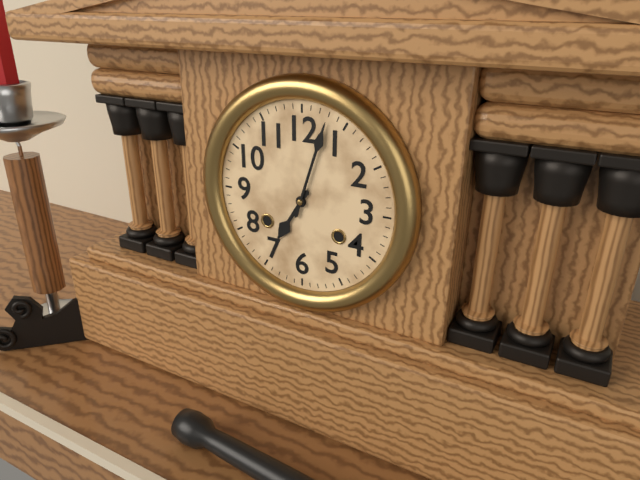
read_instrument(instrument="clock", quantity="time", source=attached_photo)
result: 7:03
